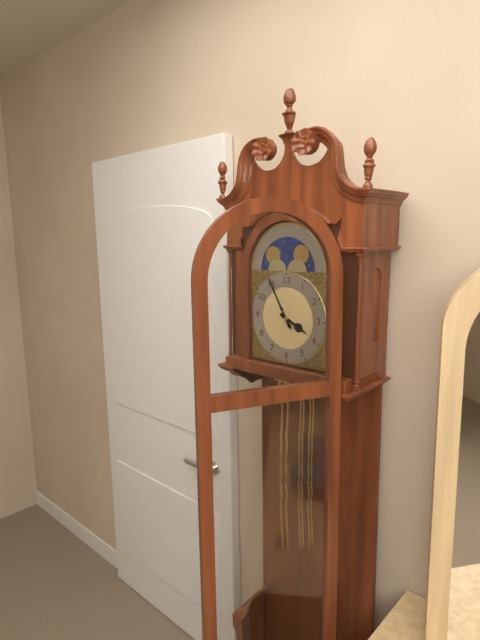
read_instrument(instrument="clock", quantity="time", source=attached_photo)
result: 3:55
